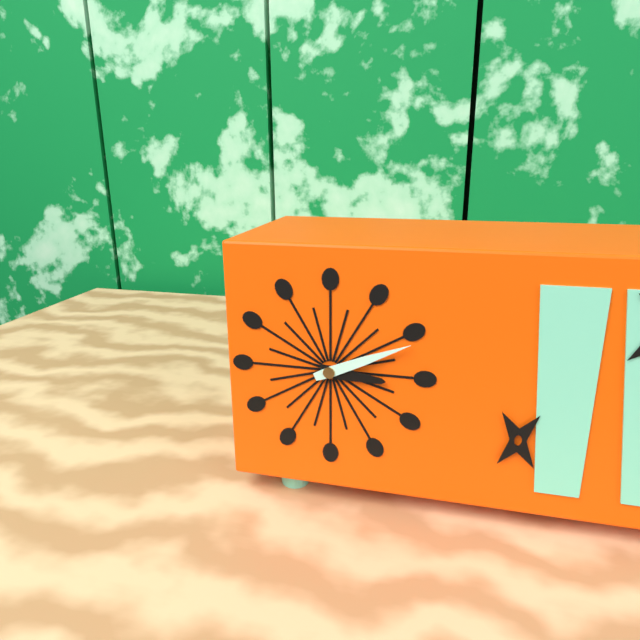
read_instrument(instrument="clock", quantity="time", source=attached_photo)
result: 3:11
